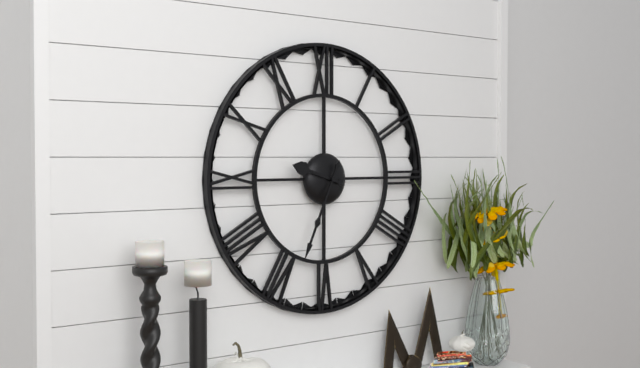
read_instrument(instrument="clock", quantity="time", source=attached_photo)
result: 9:34
